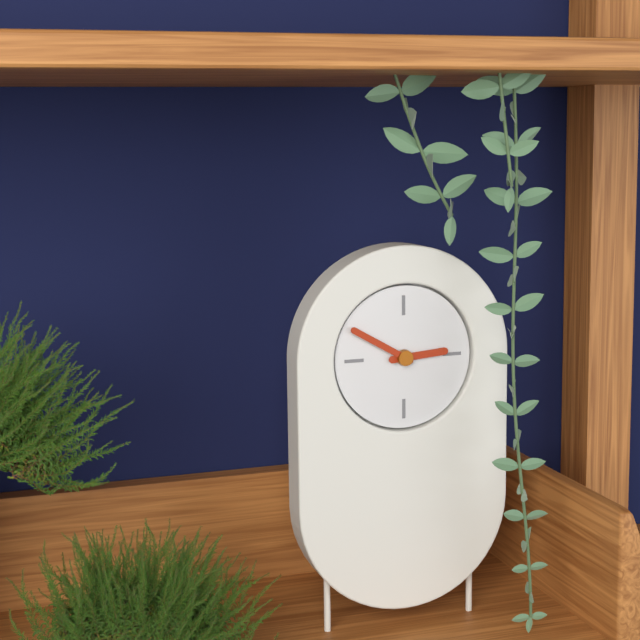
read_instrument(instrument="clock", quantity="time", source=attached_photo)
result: 2:50
